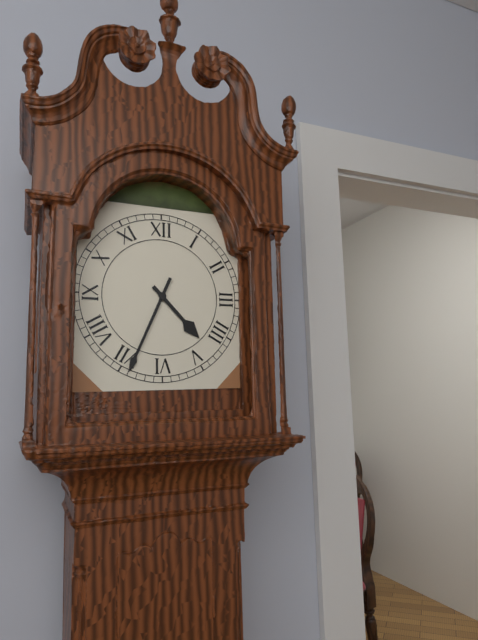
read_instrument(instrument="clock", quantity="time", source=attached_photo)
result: 4:34
